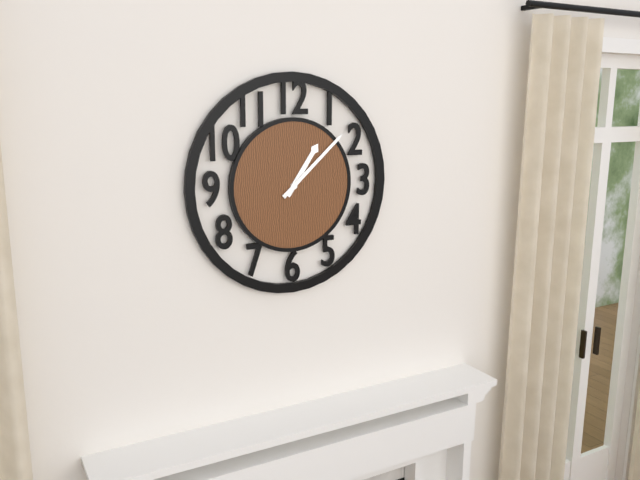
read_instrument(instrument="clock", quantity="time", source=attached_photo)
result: 1:08
